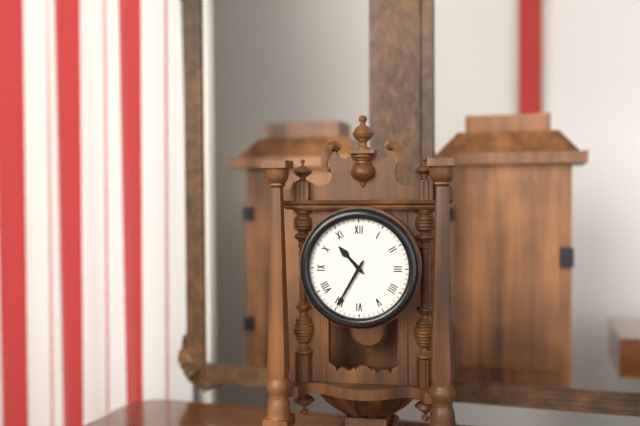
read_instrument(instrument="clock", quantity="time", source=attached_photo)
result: 10:35
